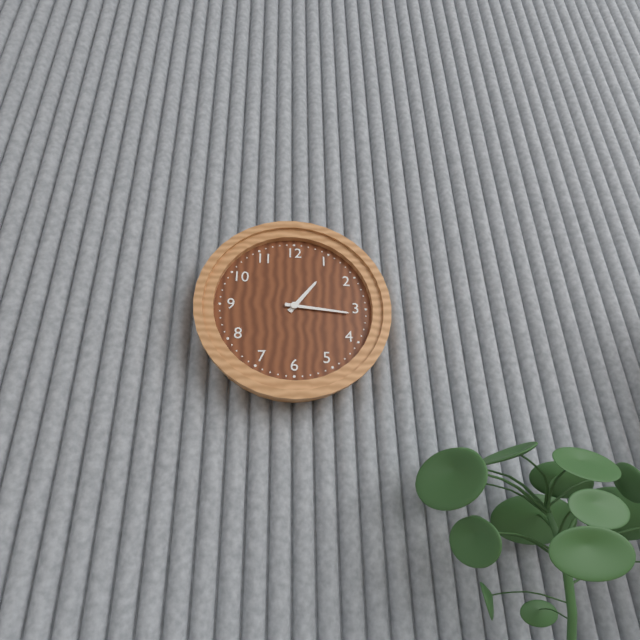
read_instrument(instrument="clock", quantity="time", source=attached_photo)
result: 1:16
